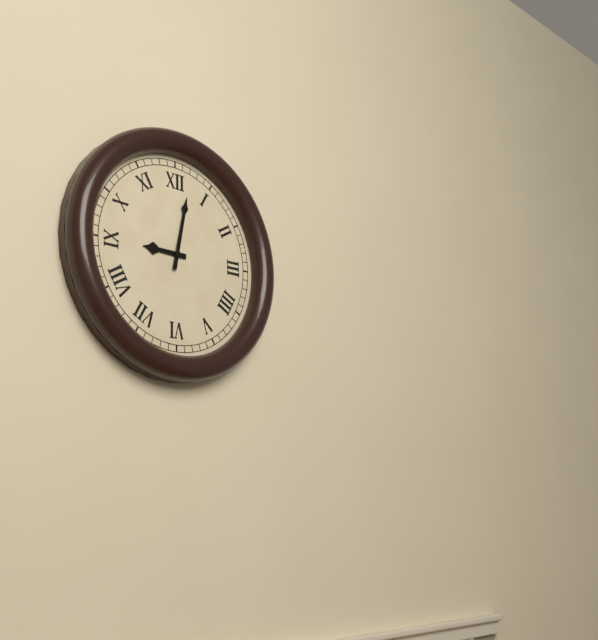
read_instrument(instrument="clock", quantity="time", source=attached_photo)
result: 9:02
